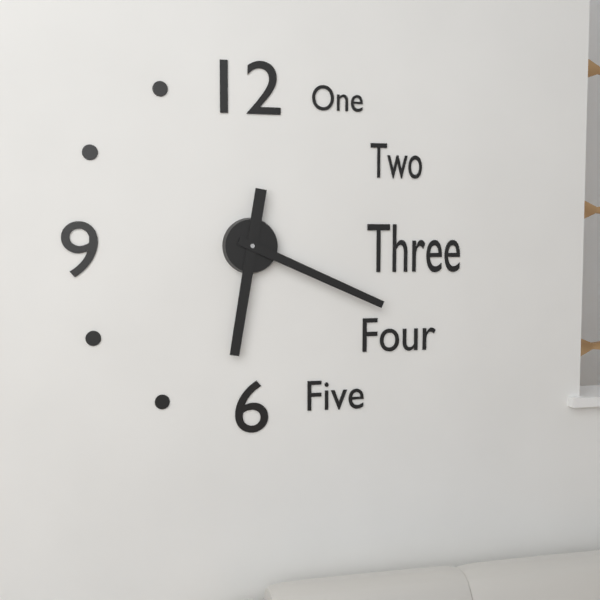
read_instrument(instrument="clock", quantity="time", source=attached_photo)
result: 6:19
